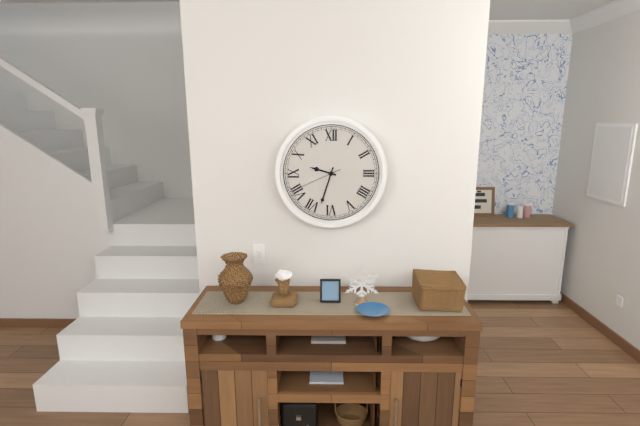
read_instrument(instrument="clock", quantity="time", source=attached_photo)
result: 9:33
